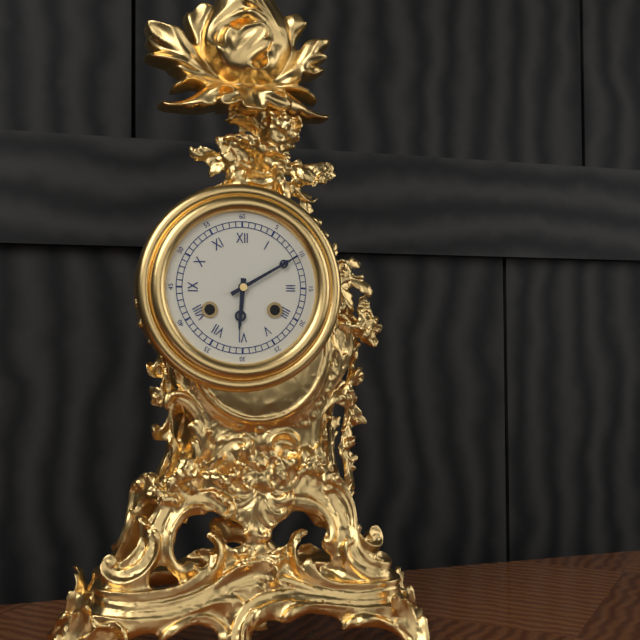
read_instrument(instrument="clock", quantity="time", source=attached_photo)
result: 6:10
